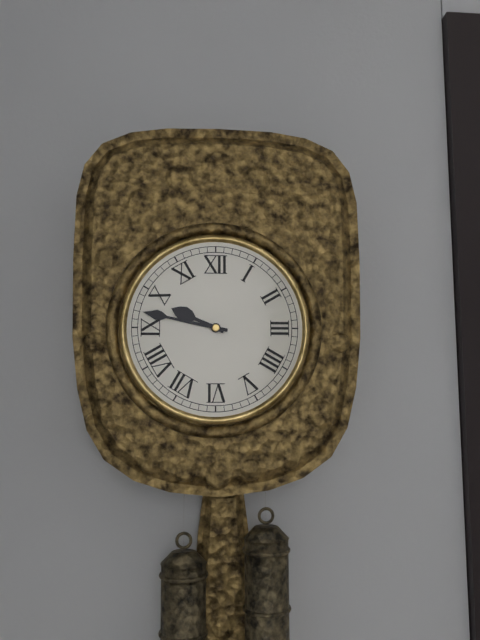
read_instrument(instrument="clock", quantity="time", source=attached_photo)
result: 9:47
